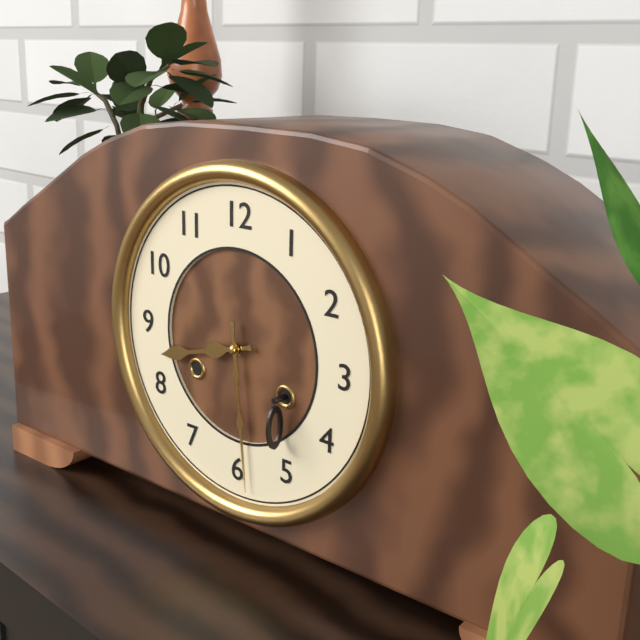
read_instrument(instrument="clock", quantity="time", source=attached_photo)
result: 8:29
